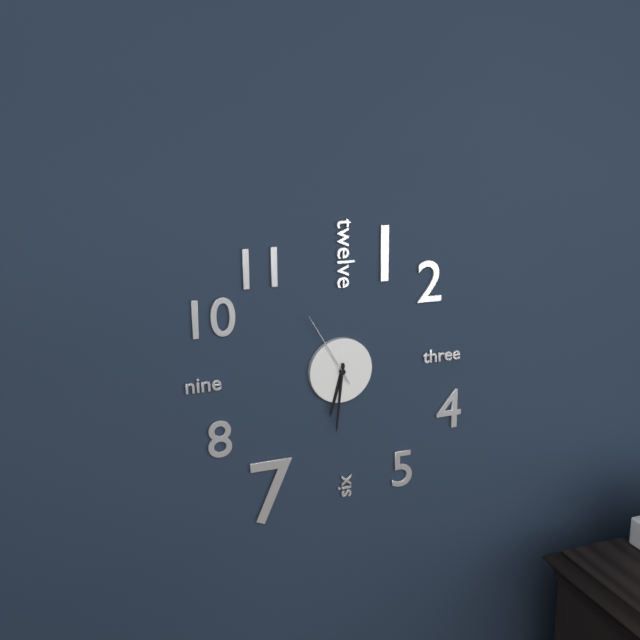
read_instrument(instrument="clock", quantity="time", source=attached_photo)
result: 6:31:55
